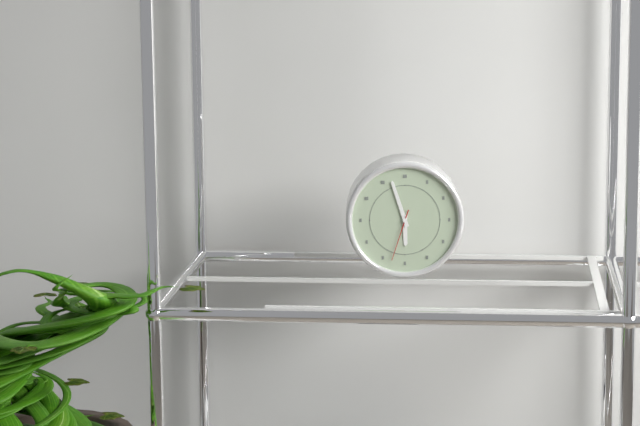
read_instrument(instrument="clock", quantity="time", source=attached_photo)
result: 5:57:33
